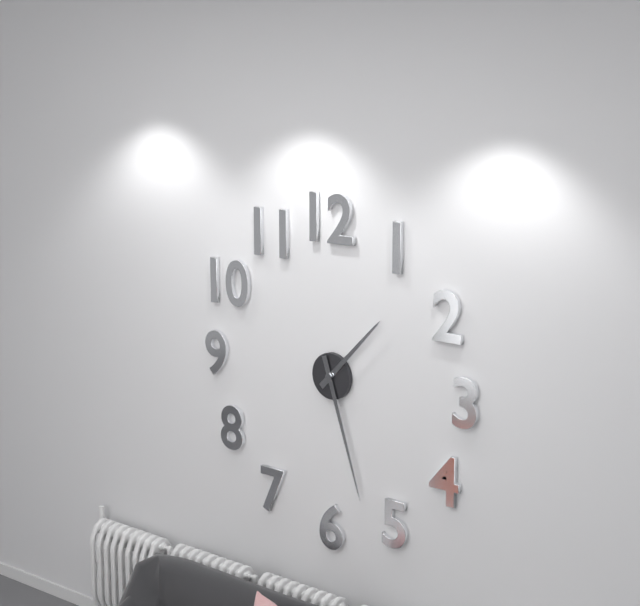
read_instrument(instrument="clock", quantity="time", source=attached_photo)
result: 1:27
